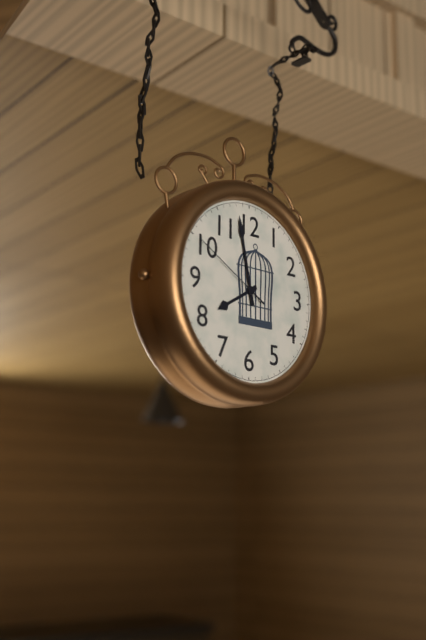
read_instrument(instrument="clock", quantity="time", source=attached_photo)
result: 7:58:50
